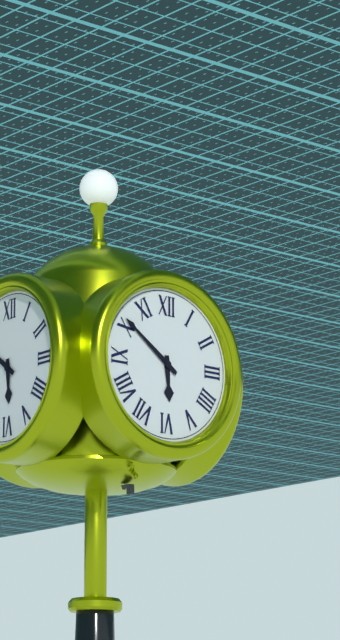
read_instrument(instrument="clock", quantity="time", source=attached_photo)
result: 5:51
